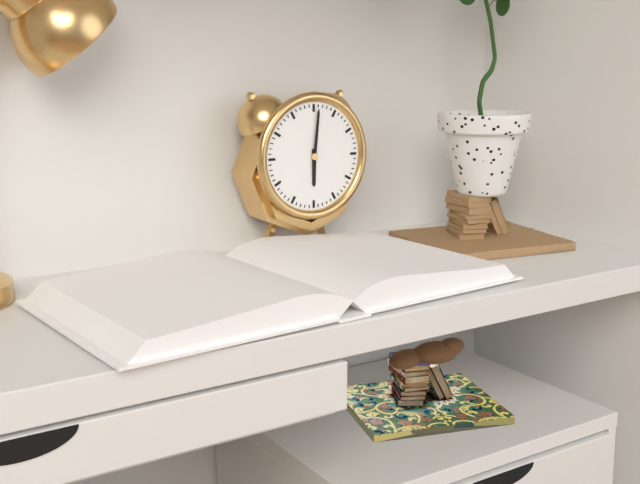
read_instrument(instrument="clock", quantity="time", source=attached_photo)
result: 6:01
